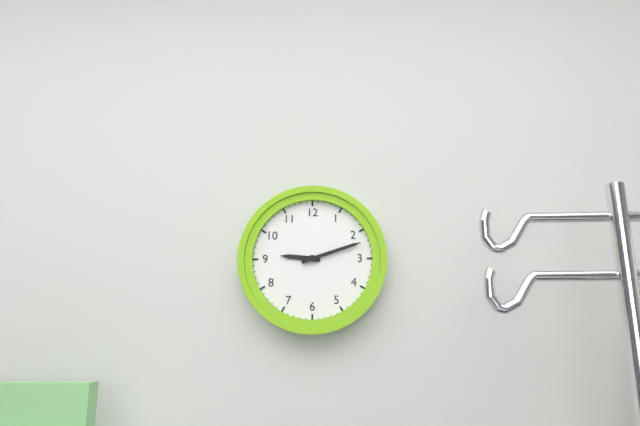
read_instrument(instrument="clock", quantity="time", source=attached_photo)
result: 9:12
